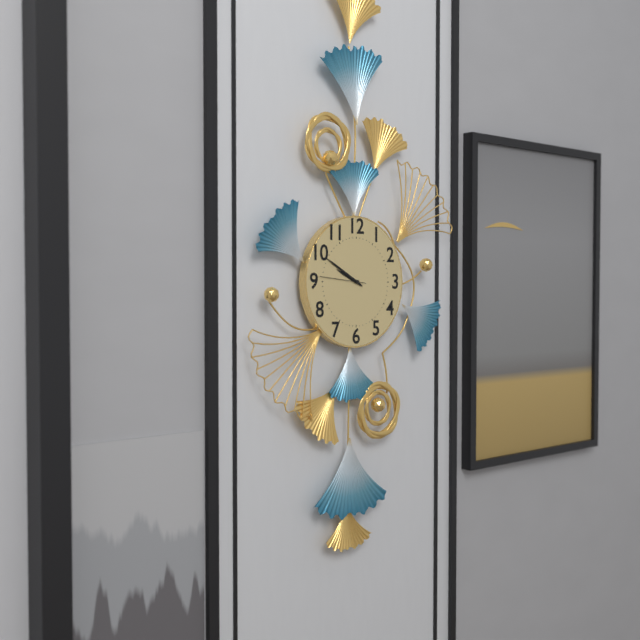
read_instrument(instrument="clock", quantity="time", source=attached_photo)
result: 9:50
